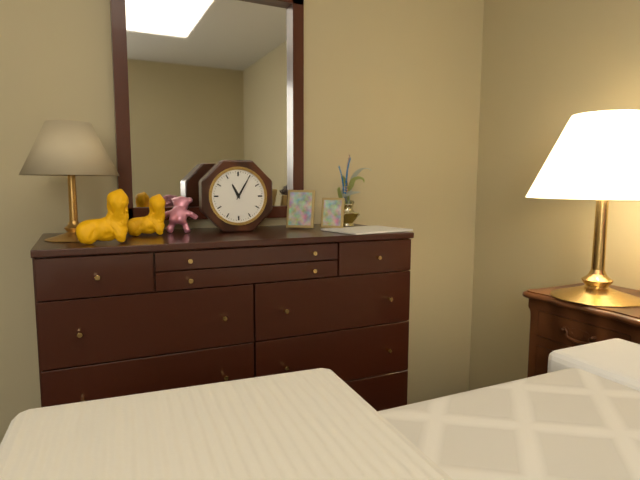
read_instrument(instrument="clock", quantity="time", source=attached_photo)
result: 11:05
